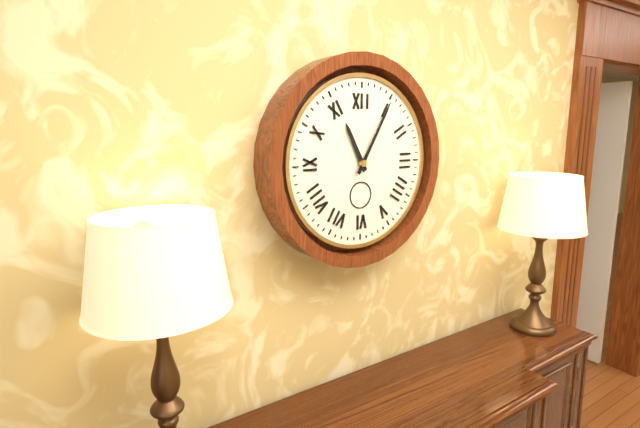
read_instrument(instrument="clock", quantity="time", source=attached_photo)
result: 11:05
